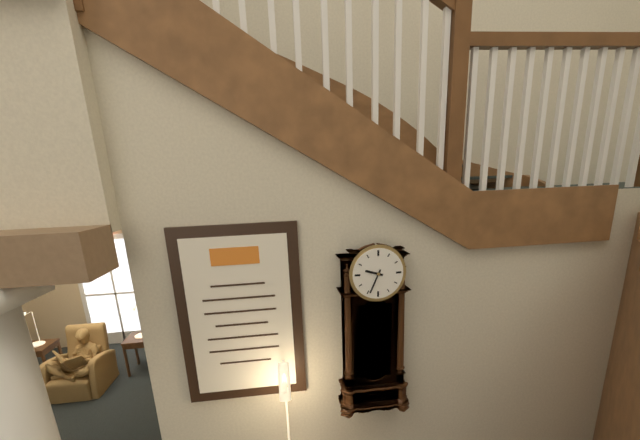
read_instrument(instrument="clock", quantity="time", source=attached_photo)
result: 9:34
